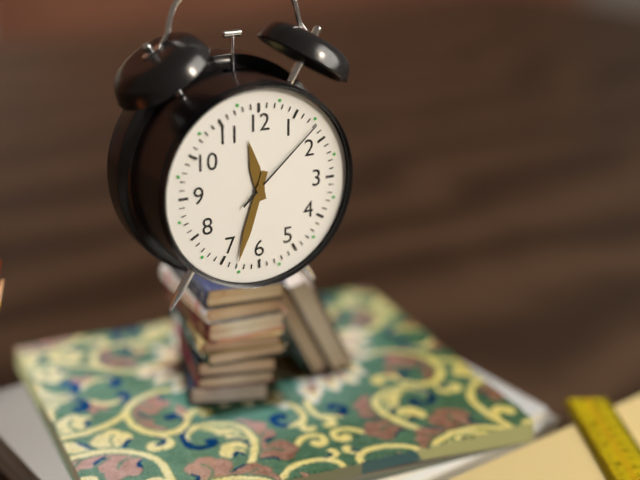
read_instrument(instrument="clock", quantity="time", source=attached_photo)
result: 11:33:08
